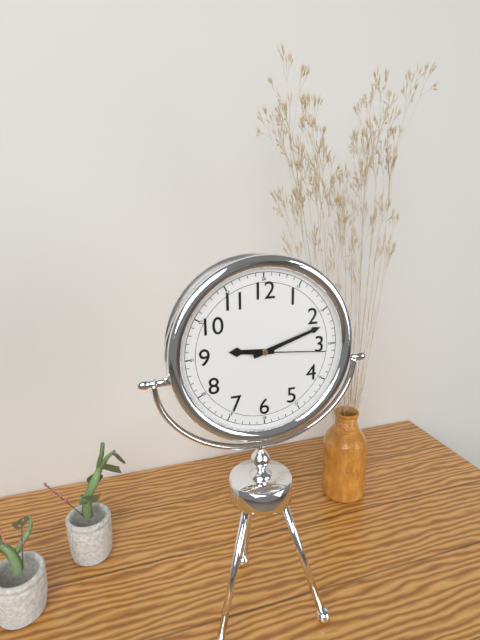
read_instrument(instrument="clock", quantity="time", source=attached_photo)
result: 9:12:16
